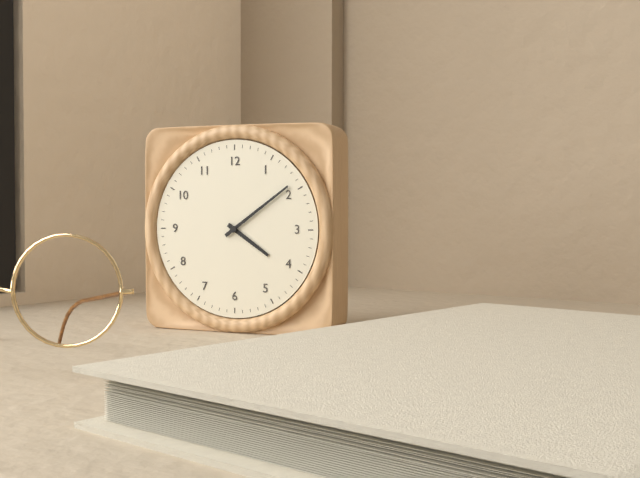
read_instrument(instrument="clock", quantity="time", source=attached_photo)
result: 4:09
